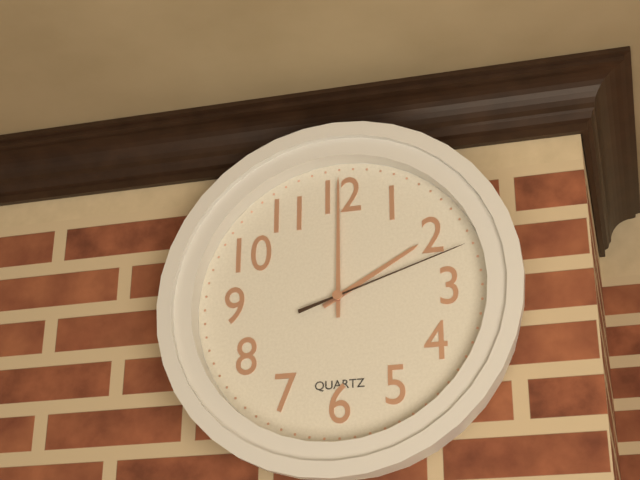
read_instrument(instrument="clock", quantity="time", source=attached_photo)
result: 2:00:12
